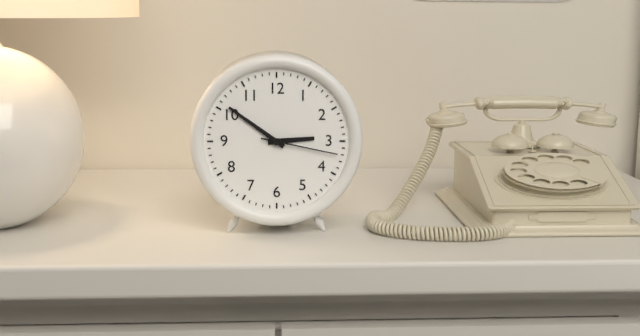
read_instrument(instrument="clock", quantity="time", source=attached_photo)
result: 2:51:17
